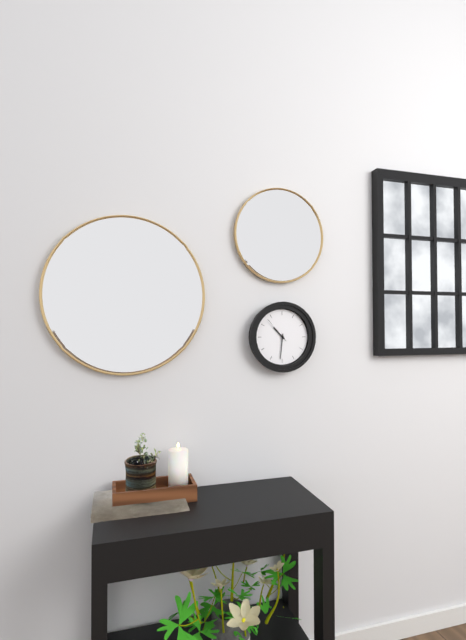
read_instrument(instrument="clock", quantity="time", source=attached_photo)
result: 10:31
